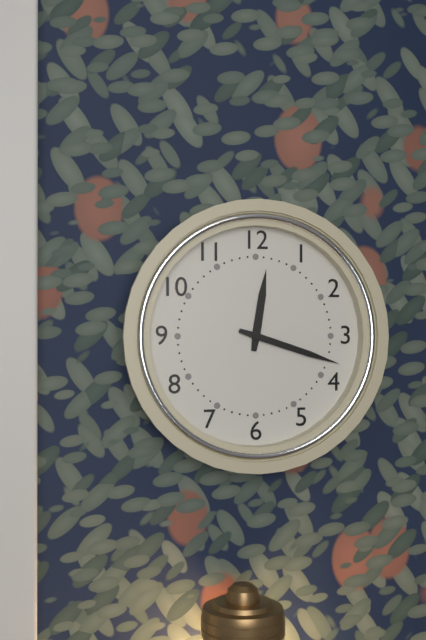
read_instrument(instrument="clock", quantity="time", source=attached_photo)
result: 12:18
